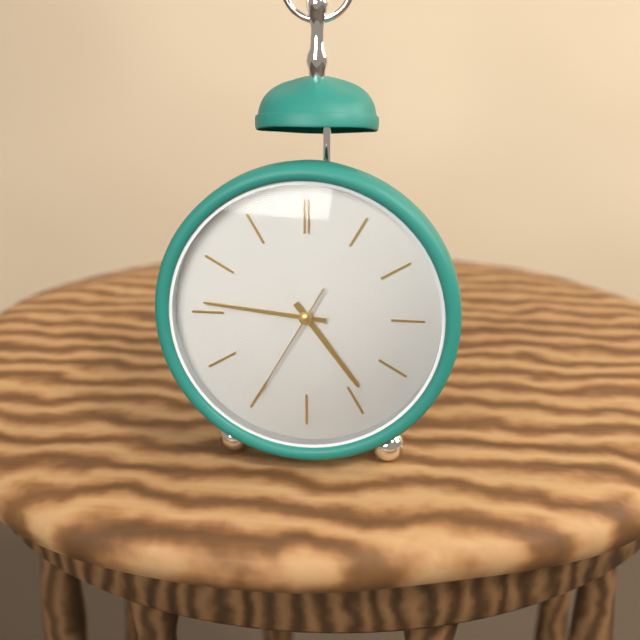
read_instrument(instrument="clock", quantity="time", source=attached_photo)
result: 4:46:35
